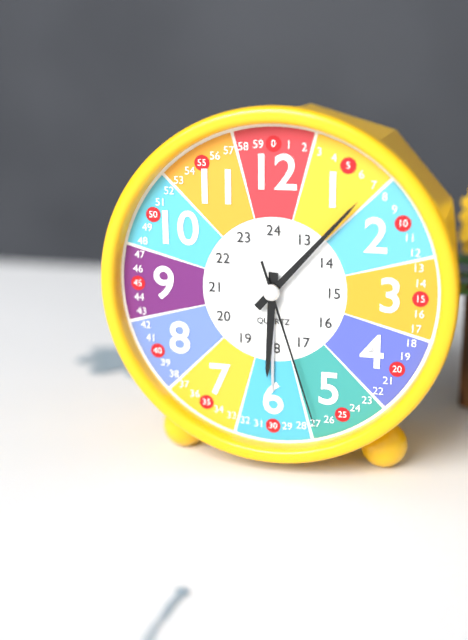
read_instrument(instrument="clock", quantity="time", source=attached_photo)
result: 6:07:27
